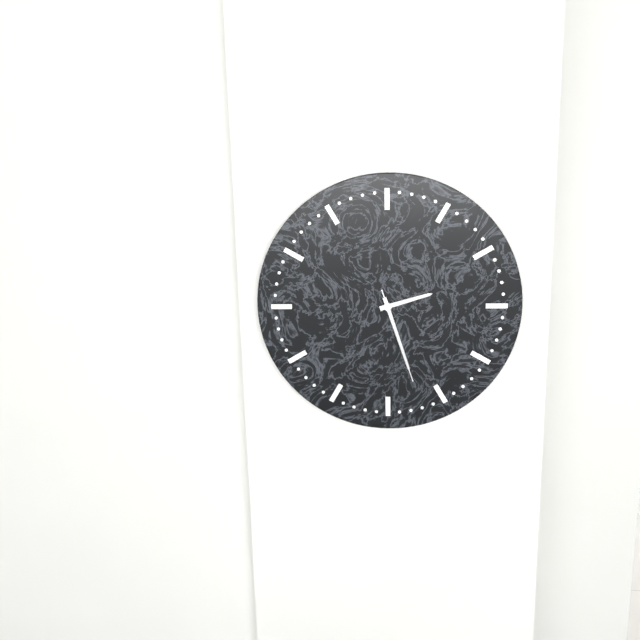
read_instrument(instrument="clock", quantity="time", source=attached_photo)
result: 2:27:27
